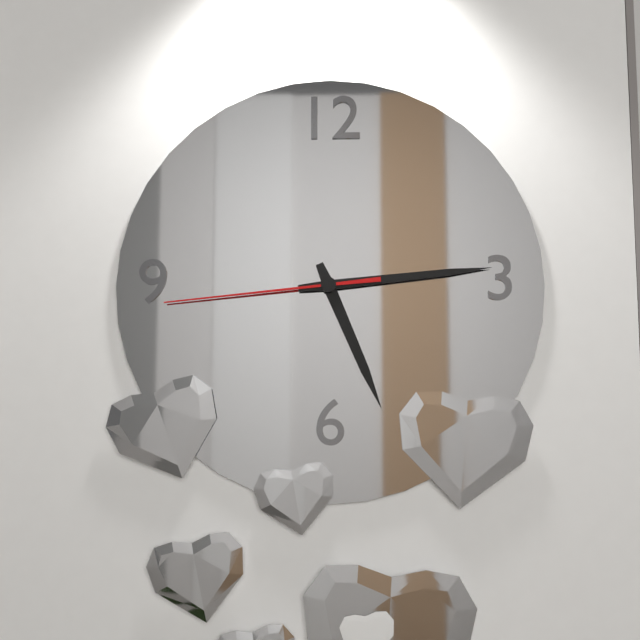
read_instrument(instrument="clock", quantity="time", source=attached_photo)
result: 5:14:44
